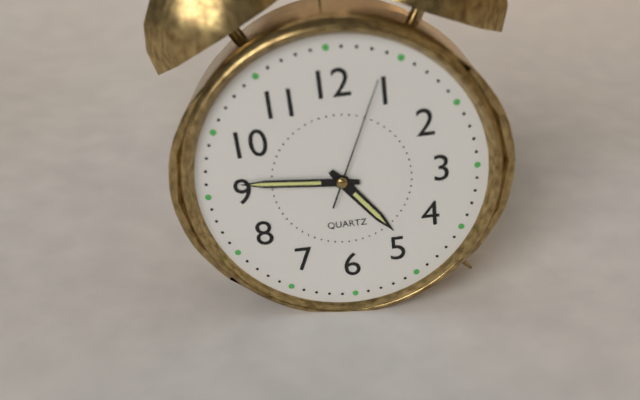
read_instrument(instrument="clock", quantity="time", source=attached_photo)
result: 4:46:04
